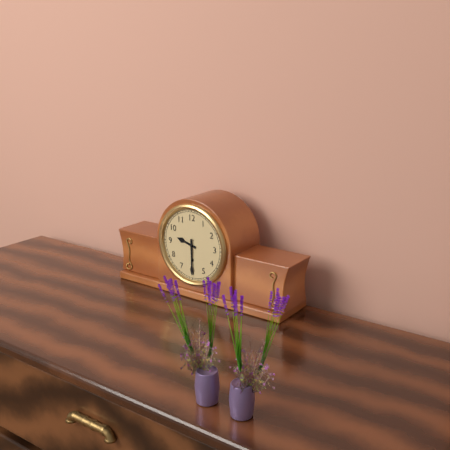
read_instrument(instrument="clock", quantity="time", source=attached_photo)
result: 9:30
